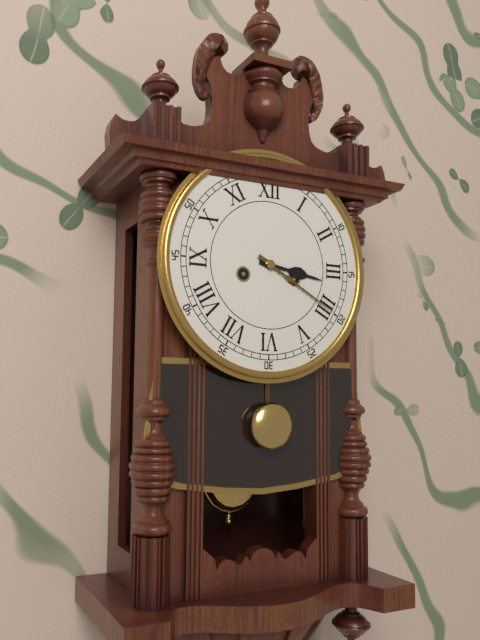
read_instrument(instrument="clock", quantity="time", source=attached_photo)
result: 3:20
